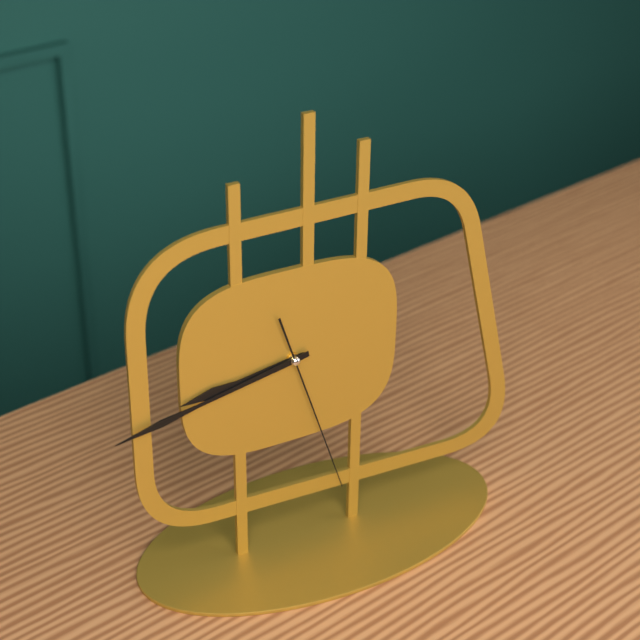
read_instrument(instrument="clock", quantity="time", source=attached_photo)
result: 8:43:27
